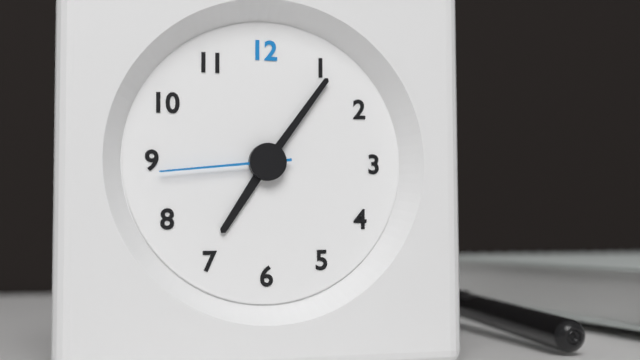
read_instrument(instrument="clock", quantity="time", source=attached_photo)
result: 7:06:44
